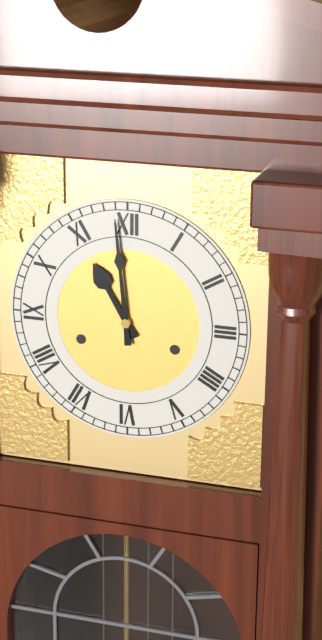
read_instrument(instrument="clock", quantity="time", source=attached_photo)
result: 10:59
